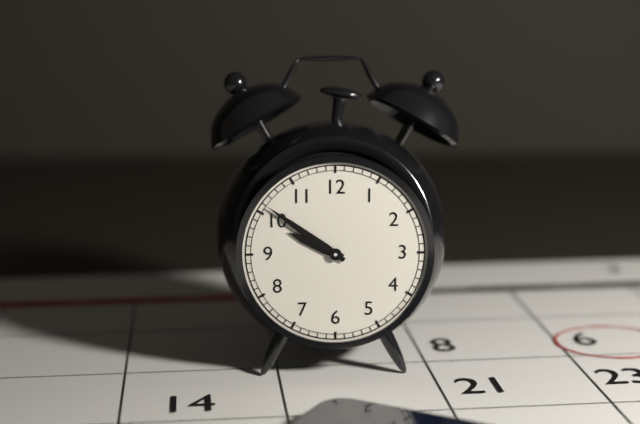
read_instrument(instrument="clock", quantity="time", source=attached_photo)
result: 9:51
